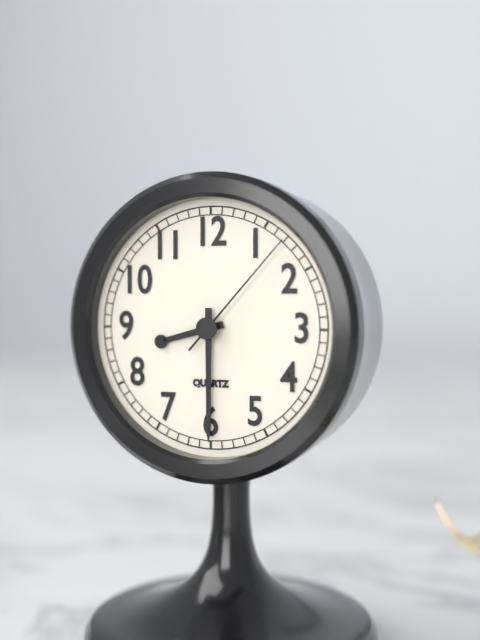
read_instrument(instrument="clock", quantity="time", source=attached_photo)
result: 8:30:07
